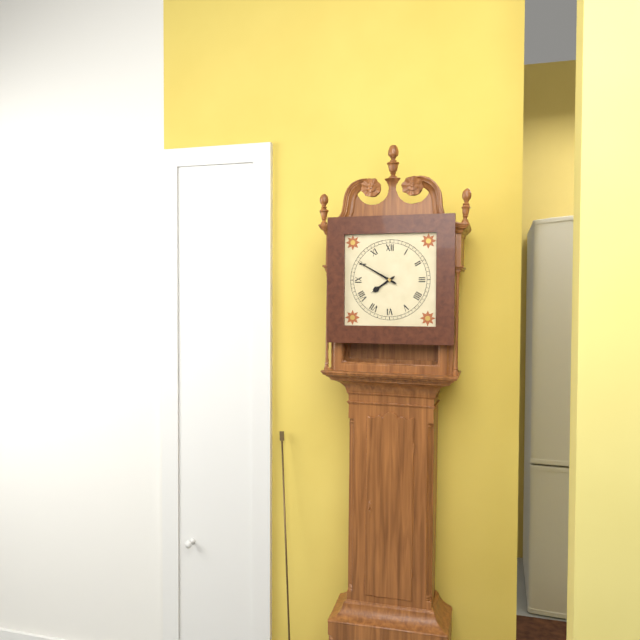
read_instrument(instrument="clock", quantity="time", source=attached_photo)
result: 7:50
